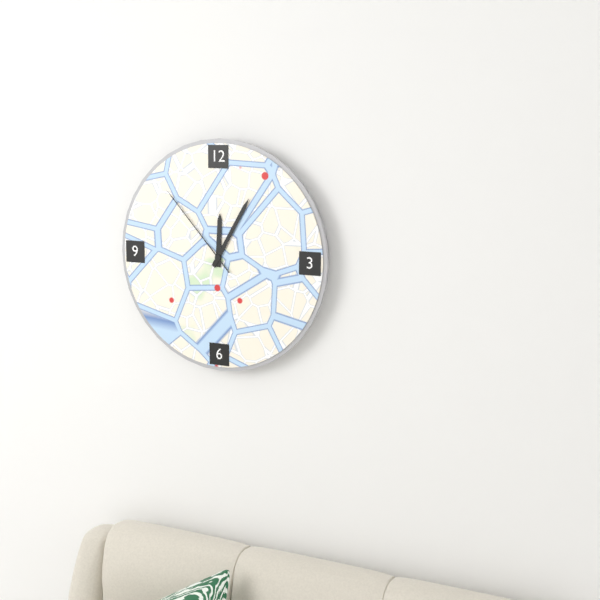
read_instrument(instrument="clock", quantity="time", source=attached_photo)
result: 12:05:53
